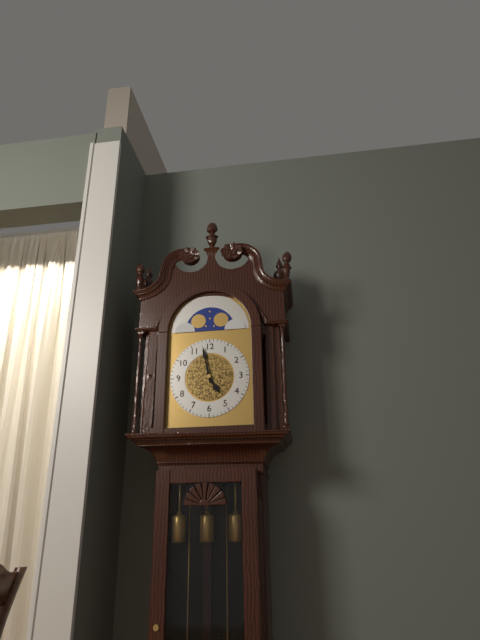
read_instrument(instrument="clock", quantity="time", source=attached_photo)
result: 4:58
